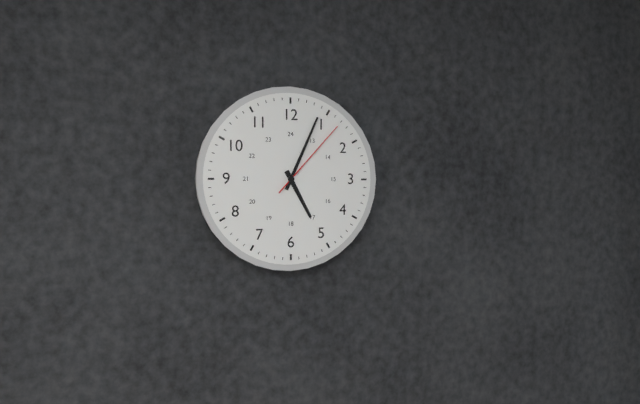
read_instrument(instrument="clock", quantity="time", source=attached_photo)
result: 5:04:07
